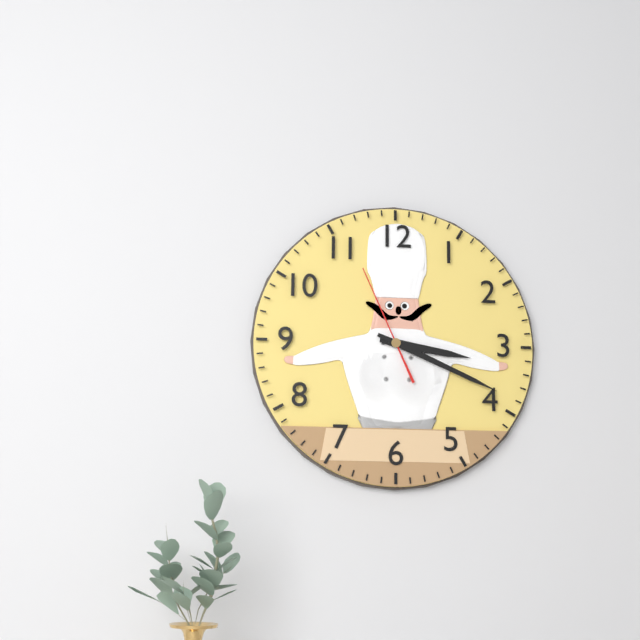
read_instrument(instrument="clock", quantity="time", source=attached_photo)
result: 3:19:56
